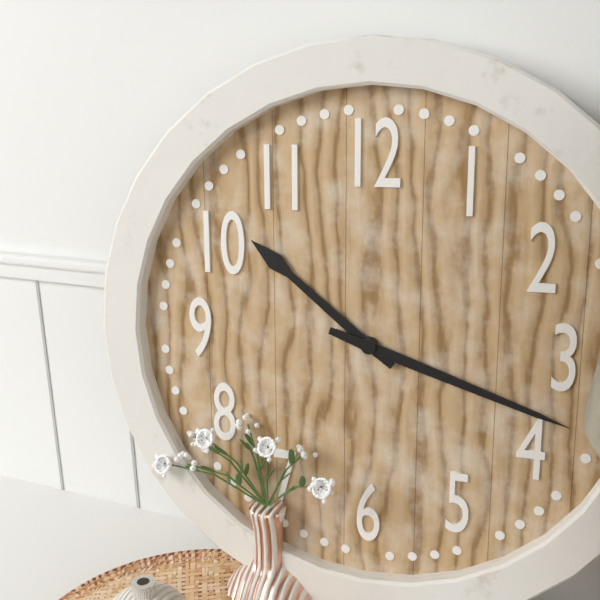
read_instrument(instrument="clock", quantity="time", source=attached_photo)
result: 10:18
